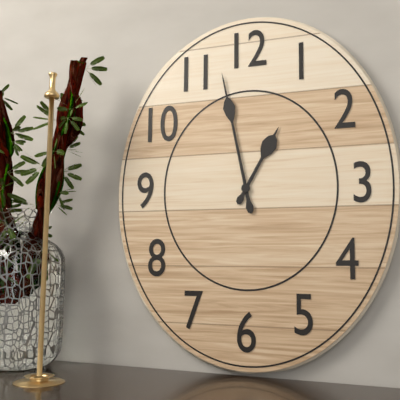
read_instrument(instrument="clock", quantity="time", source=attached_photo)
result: 12:58
